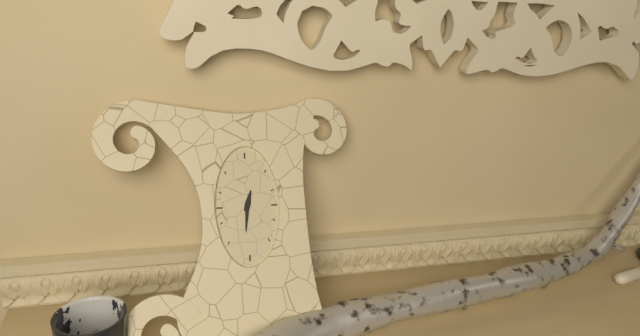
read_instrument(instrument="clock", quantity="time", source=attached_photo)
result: 12:31
